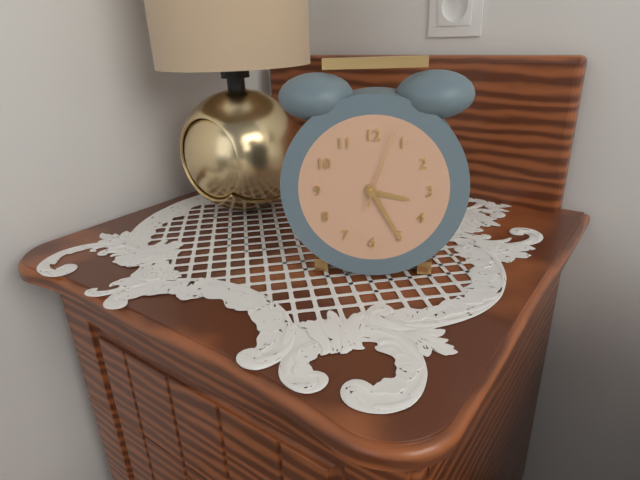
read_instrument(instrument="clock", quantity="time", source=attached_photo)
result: 3:25:03
